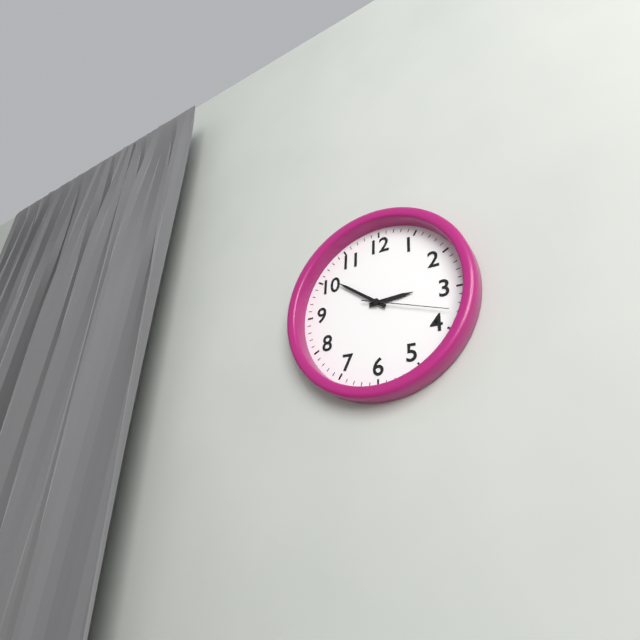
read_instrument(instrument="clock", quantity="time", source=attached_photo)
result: 2:51:18
